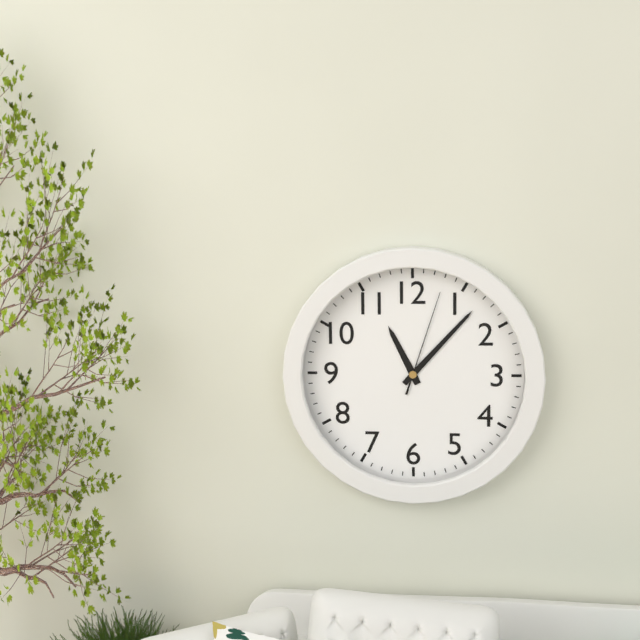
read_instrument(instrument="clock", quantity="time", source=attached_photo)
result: 11:07:03
